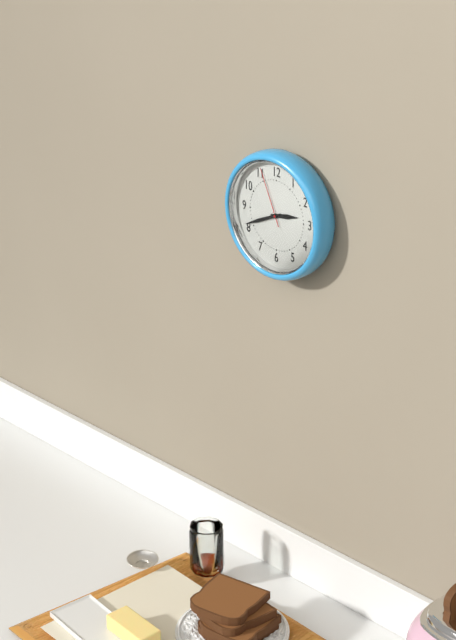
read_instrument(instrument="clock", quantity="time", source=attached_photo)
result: 2:41:56
